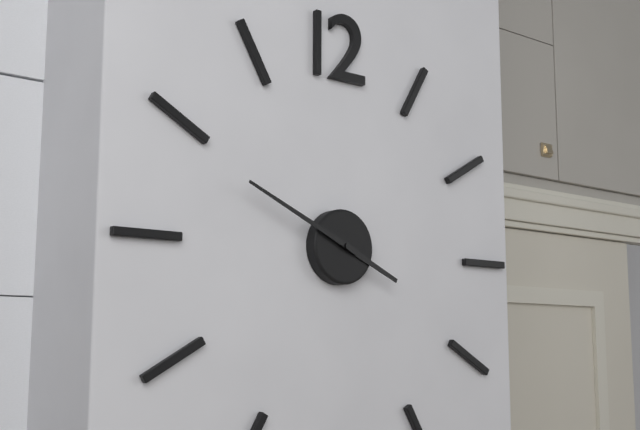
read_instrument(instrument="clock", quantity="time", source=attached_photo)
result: 3:49
